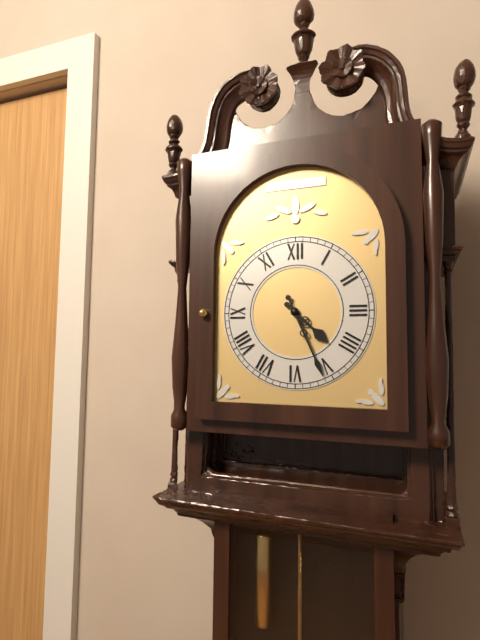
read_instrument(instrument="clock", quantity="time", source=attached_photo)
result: 4:26
